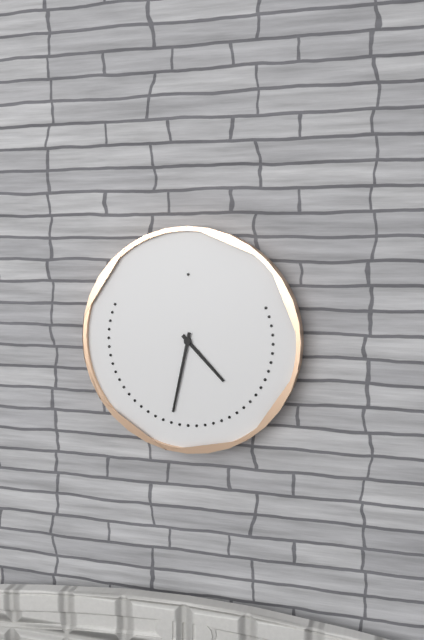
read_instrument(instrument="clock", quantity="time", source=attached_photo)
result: 4:32
